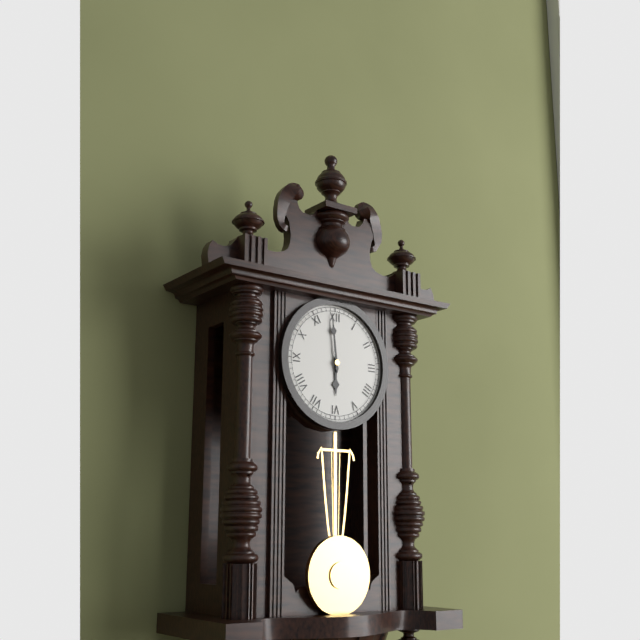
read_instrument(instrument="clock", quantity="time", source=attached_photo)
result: 5:59
